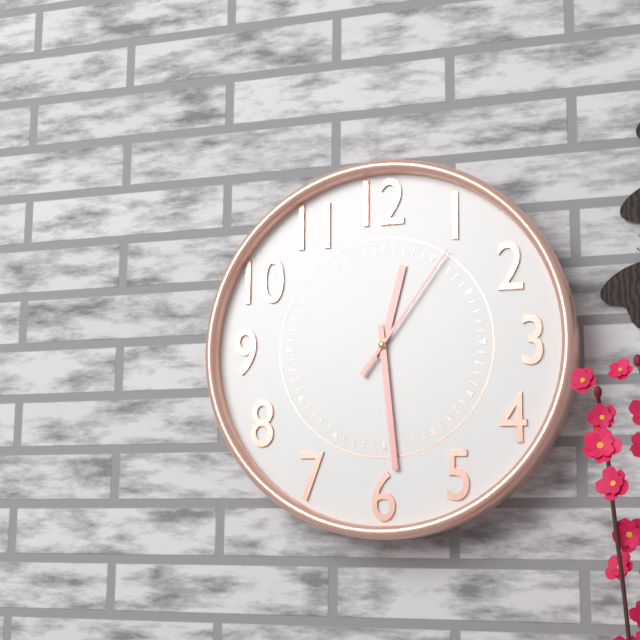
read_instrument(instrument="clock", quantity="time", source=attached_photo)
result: 12:29:06
